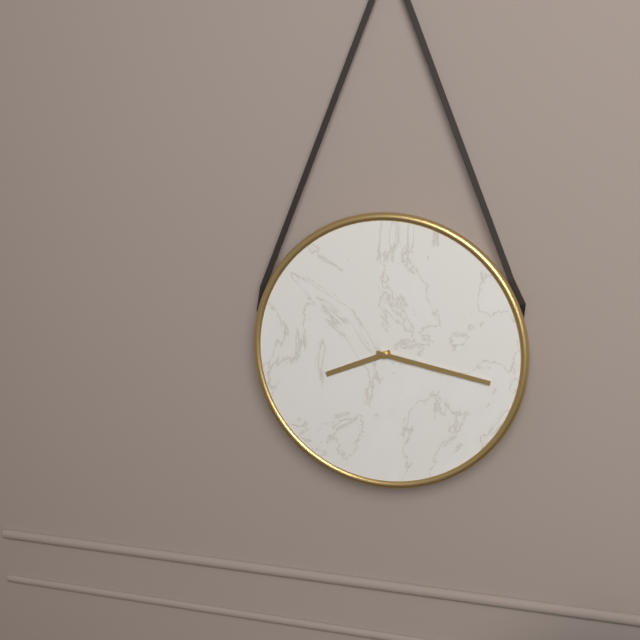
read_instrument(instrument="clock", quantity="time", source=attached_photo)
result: 8:17
